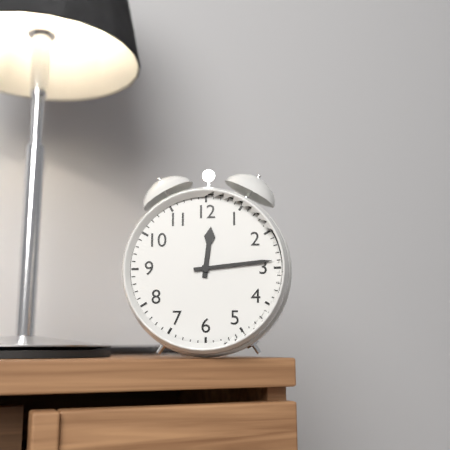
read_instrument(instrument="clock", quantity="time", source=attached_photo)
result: 12:14
